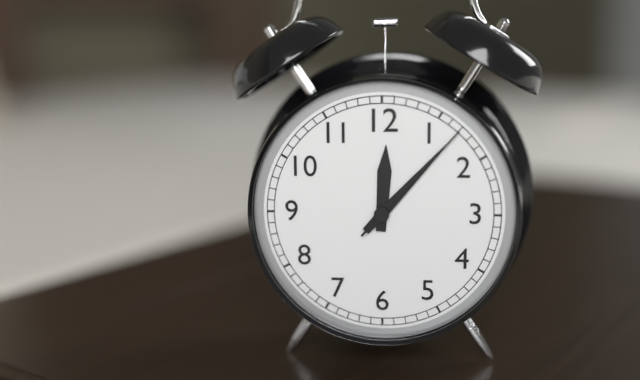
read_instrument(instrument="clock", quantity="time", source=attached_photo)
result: 12:07:07
